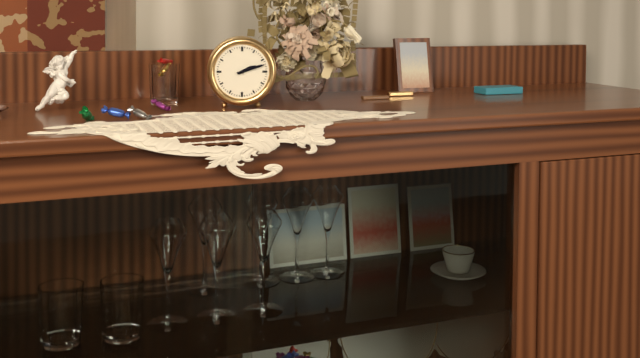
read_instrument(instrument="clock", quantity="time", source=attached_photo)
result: 2:12
